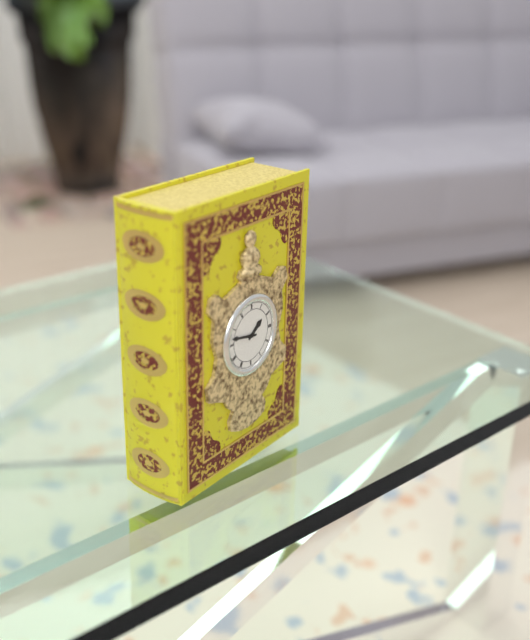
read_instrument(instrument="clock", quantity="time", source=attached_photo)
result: 1:47
